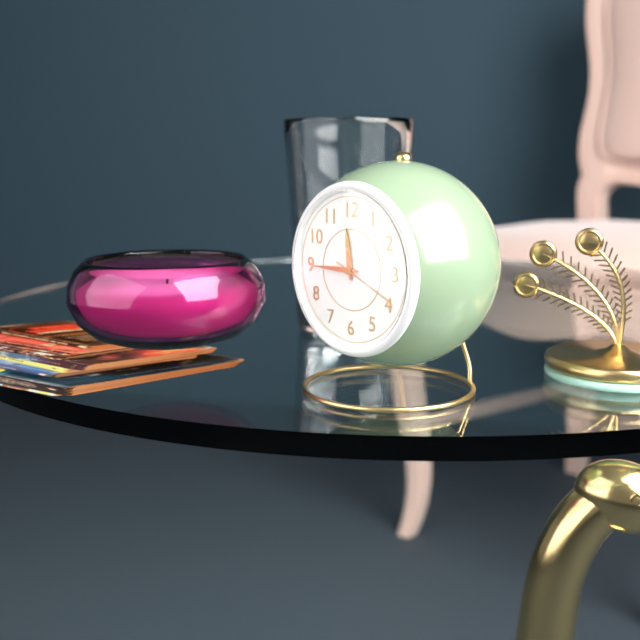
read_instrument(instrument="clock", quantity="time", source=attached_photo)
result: 11:45:19
